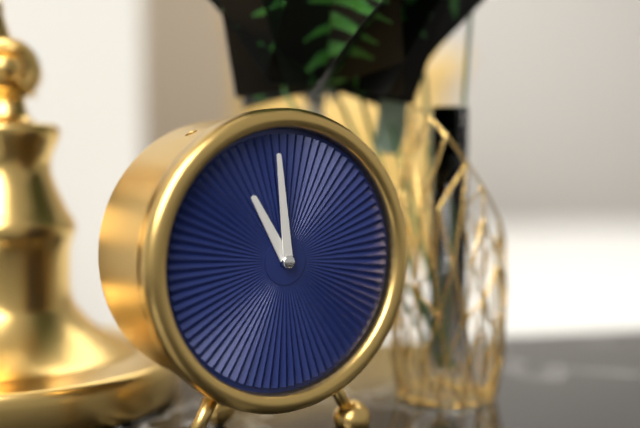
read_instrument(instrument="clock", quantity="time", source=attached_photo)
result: 10:59
